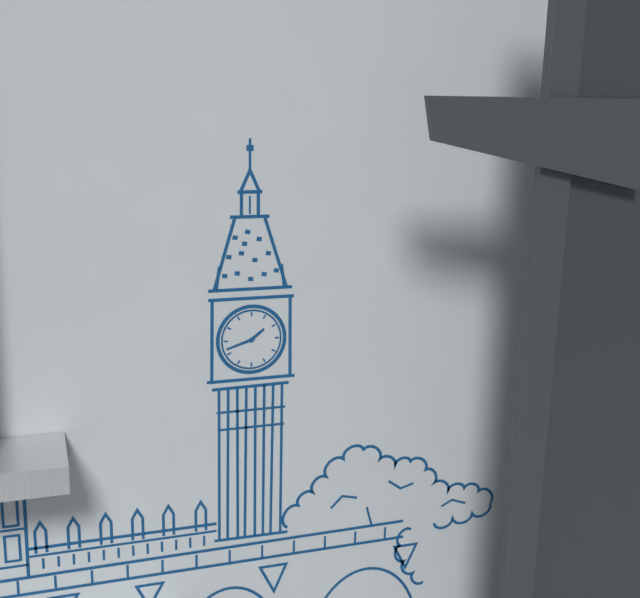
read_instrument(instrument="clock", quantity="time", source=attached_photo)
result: 1:42
